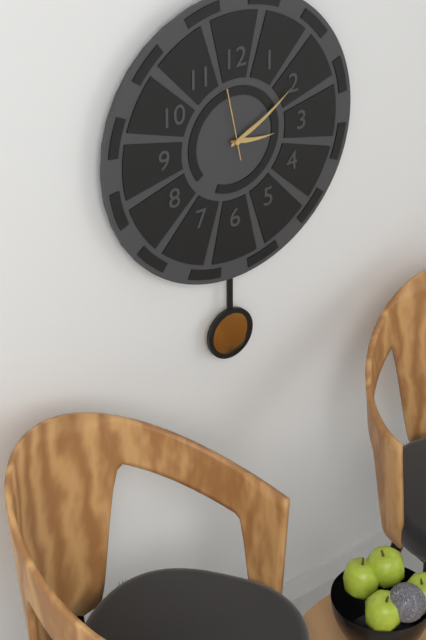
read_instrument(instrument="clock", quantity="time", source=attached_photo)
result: 3:10:58
